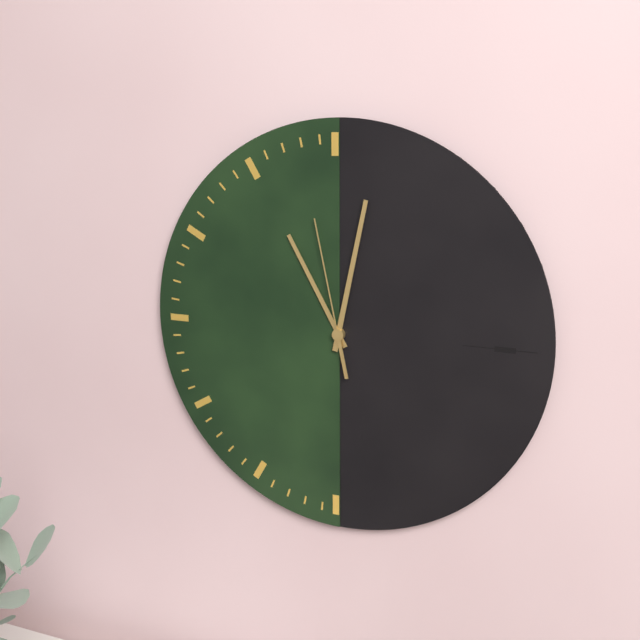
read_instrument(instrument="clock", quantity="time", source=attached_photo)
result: 11:02:58
